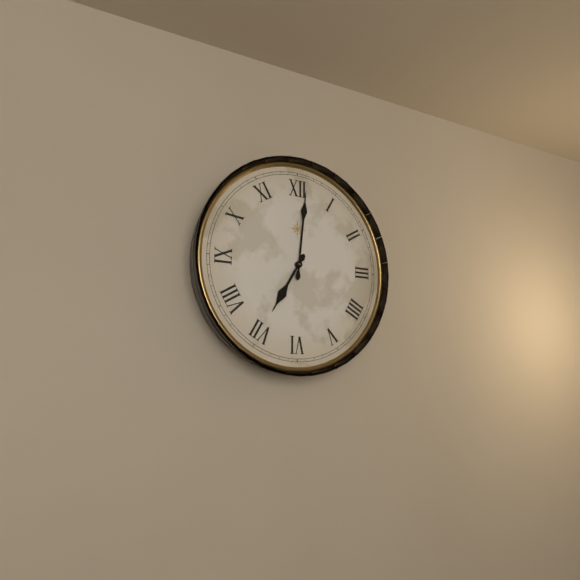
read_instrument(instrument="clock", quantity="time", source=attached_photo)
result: 7:01
